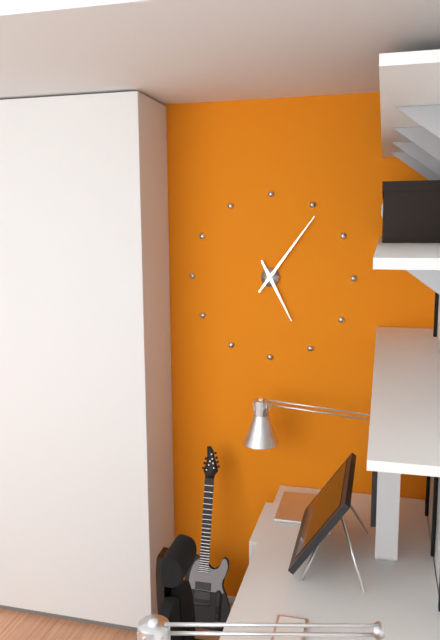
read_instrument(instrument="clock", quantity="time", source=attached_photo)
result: 5:06
